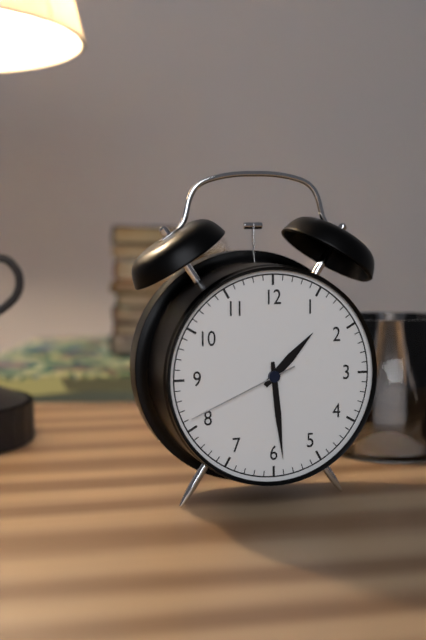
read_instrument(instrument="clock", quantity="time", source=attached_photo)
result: 1:29:41
